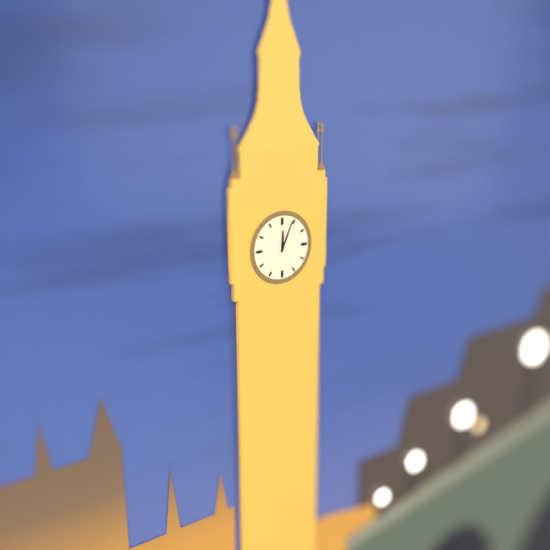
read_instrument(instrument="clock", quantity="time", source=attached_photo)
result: 12:04
